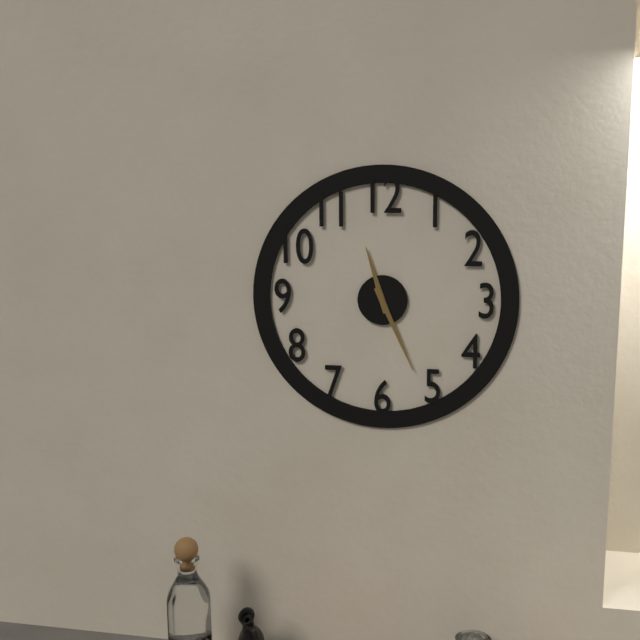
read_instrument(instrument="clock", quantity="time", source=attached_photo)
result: 11:26
